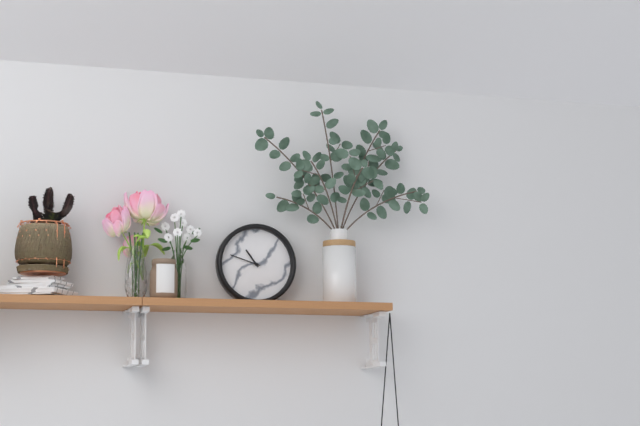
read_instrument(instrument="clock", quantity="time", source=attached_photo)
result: 10:48
